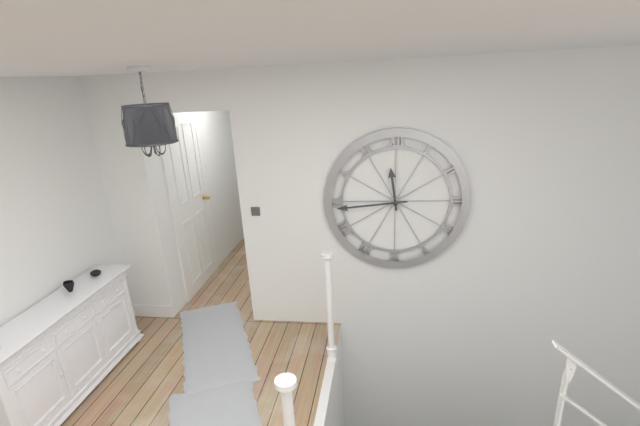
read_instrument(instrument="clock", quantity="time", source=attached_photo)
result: 11:44
